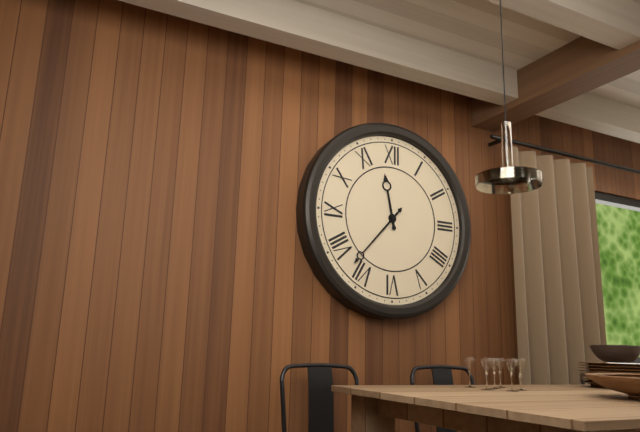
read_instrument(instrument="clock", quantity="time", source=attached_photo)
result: 11:37
